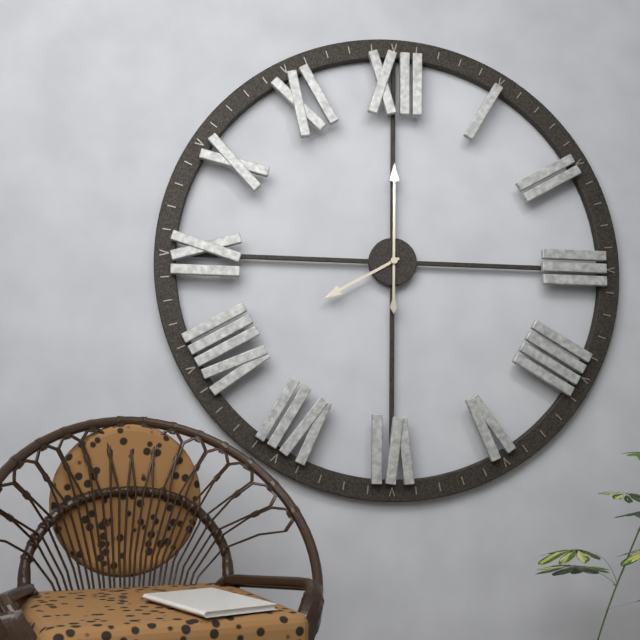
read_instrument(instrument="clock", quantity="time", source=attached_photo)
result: 8:00
